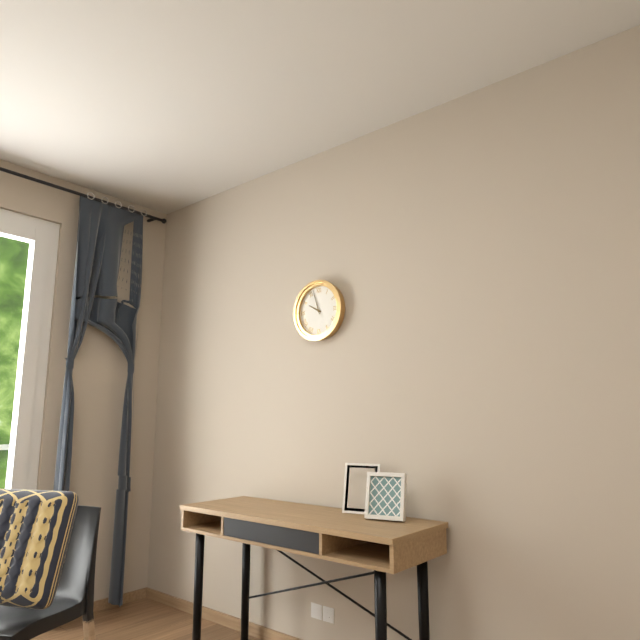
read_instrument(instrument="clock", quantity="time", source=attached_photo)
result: 9:57
